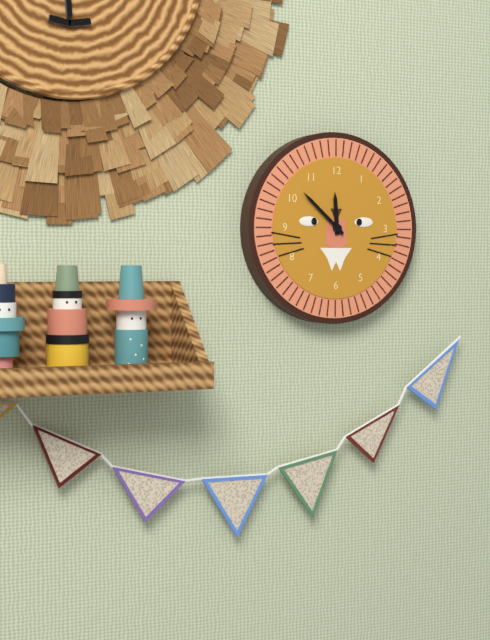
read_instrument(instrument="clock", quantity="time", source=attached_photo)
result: 11:52
